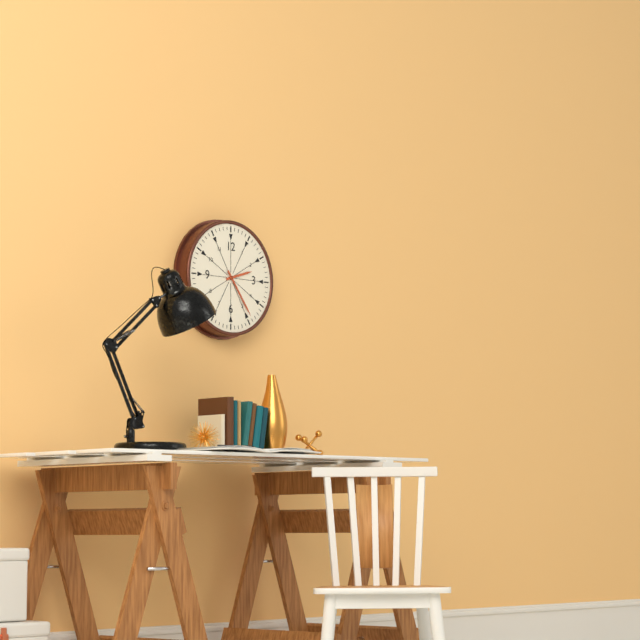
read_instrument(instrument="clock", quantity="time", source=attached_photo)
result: 2:24
